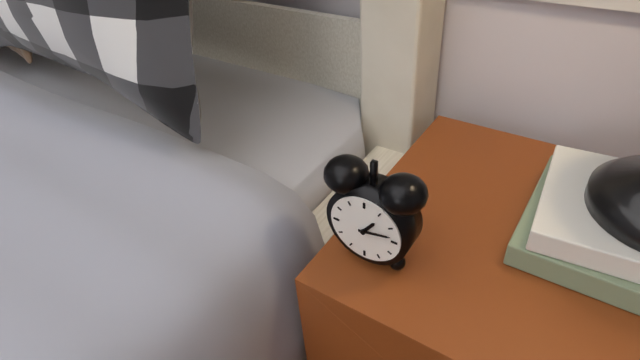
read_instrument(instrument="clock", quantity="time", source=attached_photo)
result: 1:13
